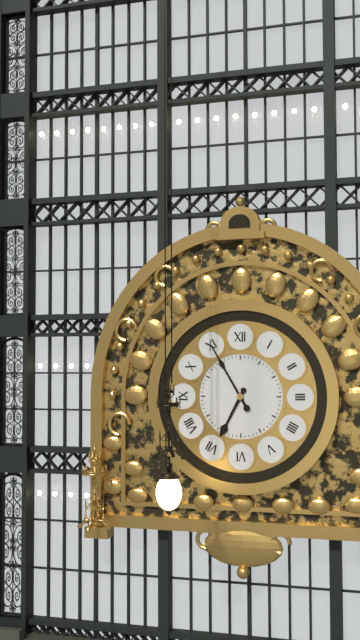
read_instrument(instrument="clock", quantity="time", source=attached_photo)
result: 6:55
